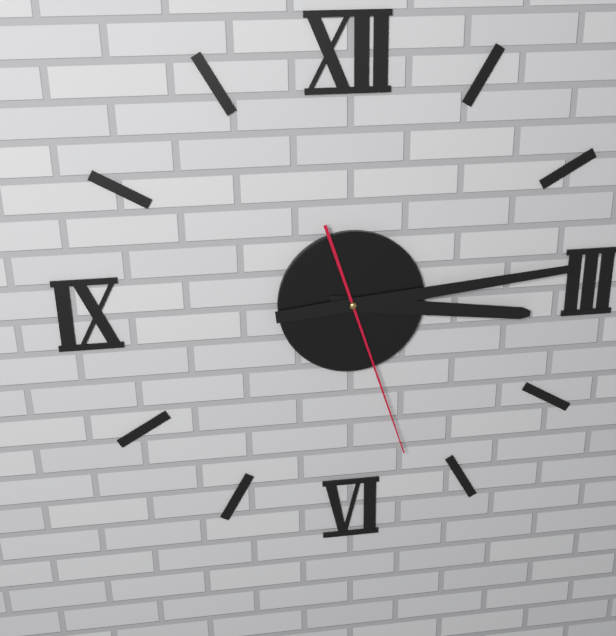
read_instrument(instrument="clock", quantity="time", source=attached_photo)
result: 3:14:27
